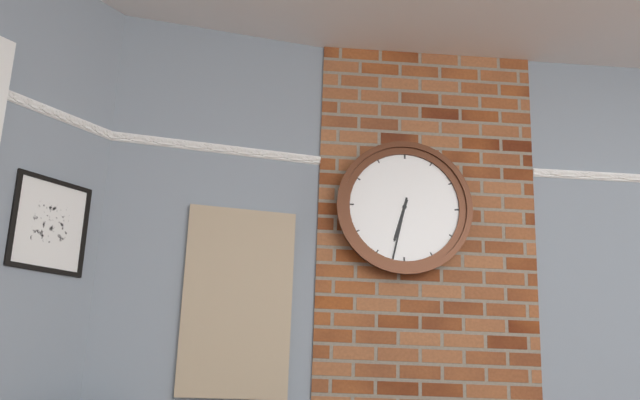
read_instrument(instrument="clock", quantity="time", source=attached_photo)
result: 6:32
